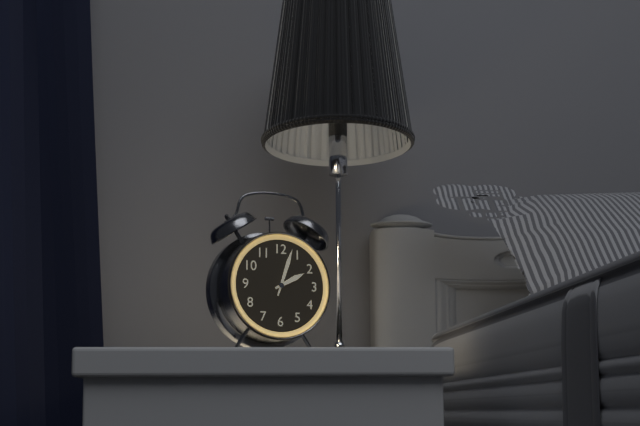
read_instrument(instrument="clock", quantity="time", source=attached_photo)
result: 2:03
